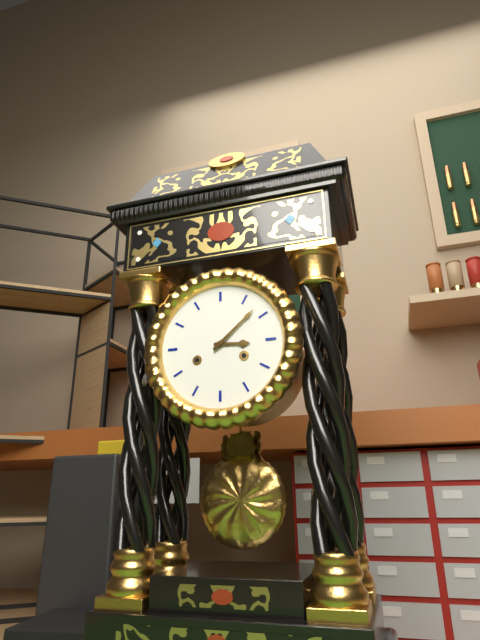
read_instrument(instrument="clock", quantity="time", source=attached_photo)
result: 3:08
